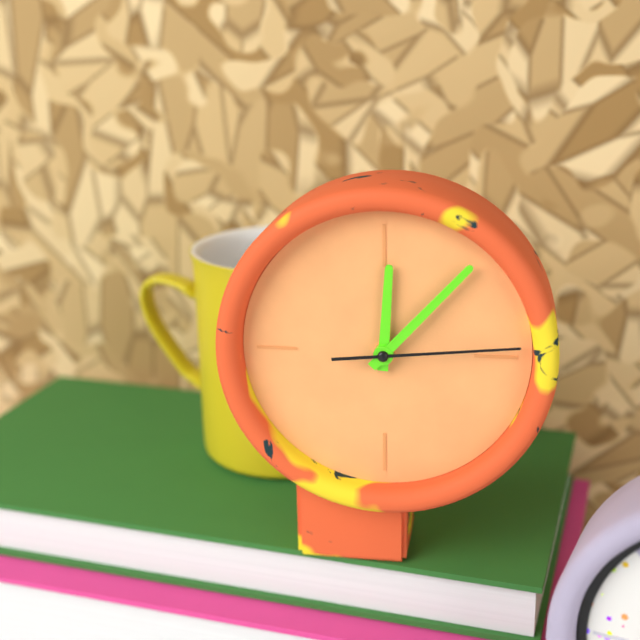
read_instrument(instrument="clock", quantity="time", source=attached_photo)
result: 12:07:14
